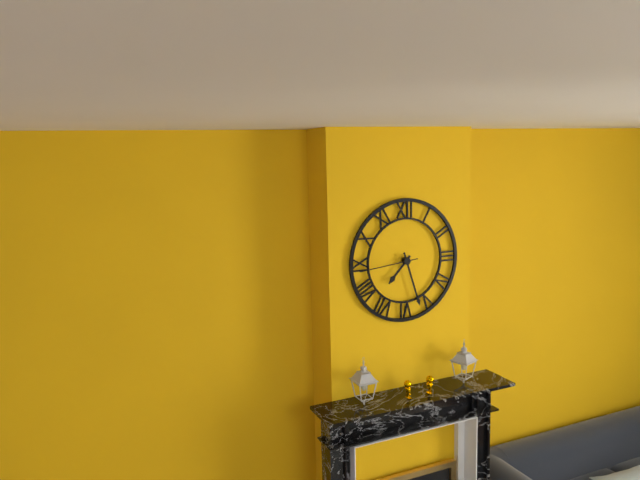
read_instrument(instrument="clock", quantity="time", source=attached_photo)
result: 7:27:44
